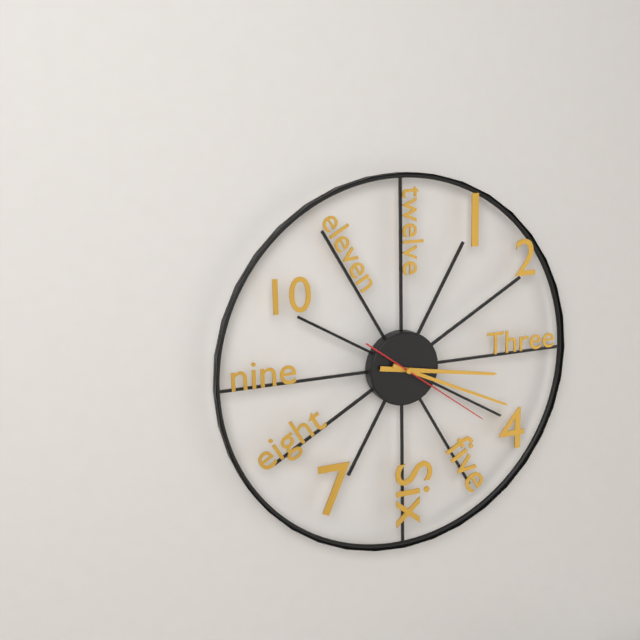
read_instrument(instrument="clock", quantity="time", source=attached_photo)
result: 3:19:21
